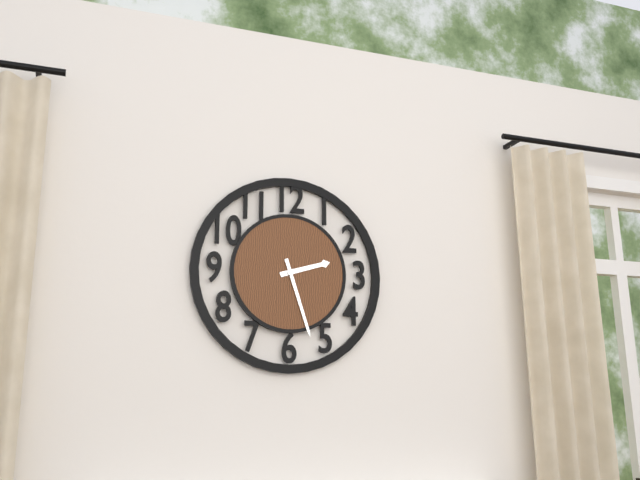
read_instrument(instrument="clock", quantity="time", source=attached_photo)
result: 2:27
